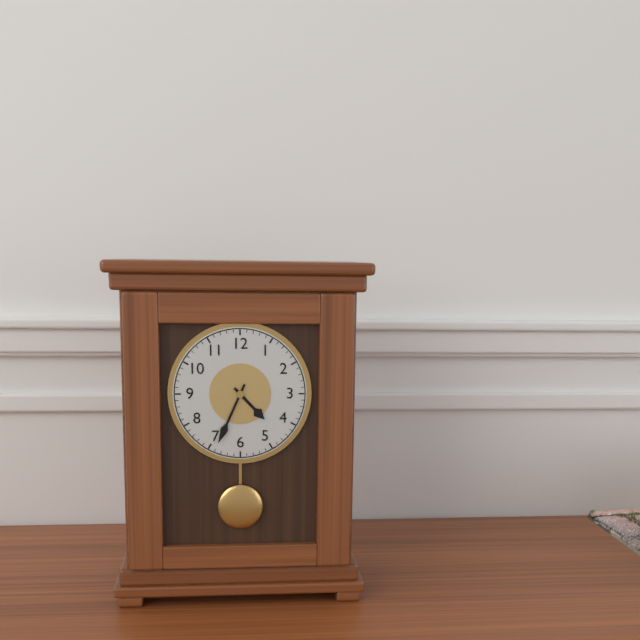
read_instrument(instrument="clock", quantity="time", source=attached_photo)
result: 4:34
